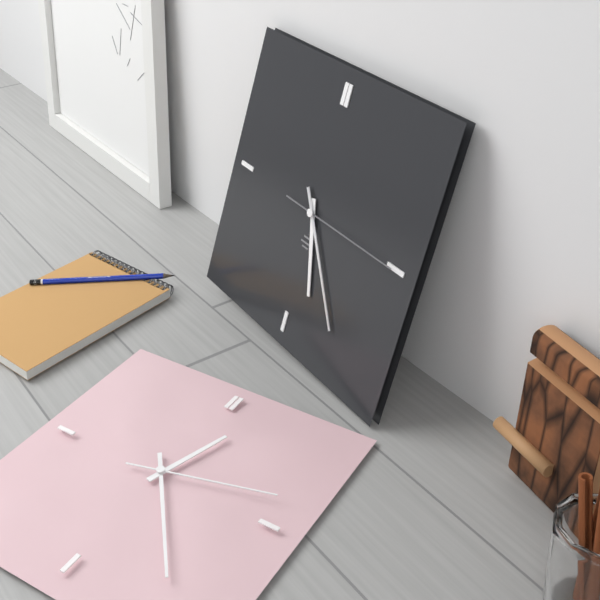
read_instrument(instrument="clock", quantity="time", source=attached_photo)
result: 5:24:15
